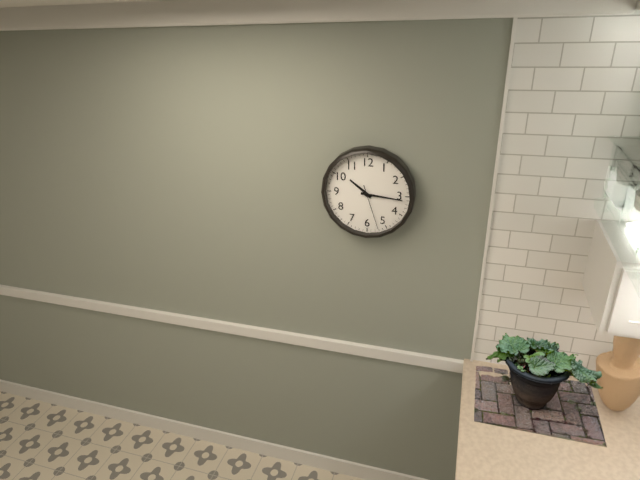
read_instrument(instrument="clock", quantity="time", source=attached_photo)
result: 10:16
